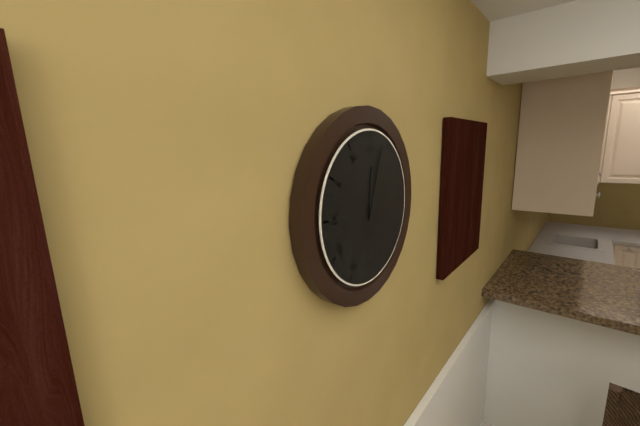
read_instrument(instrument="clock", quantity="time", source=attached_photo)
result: 12:03
